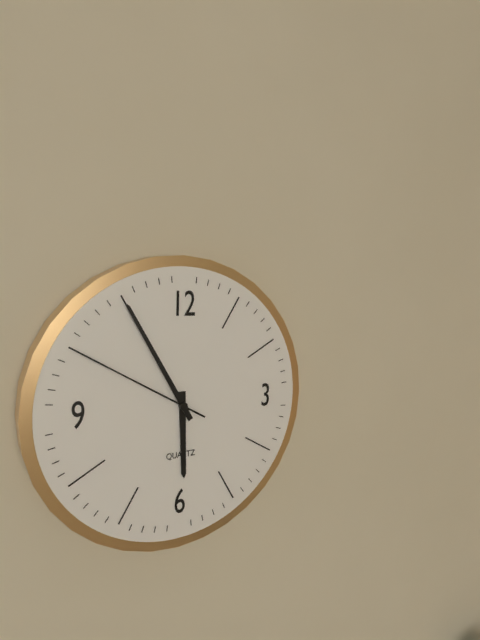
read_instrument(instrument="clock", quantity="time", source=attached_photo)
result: 5:55:50
